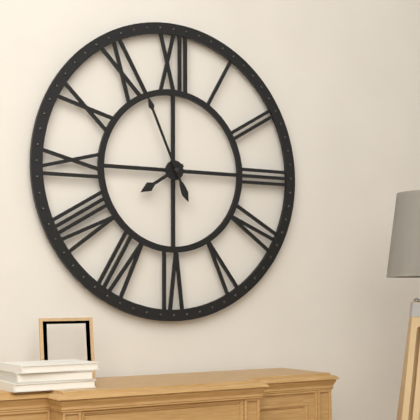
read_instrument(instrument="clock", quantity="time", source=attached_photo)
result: 7:56
